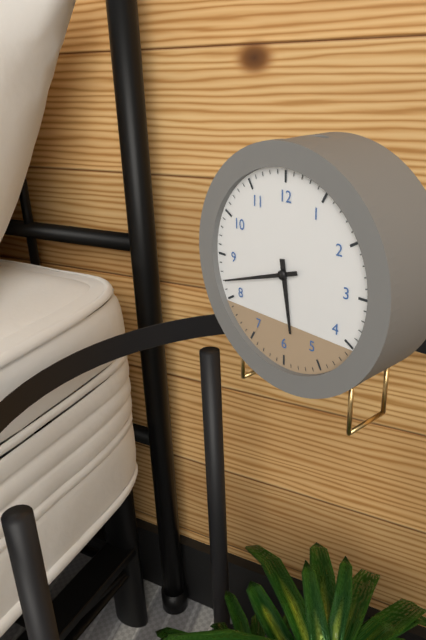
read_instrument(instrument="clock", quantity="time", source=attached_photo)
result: 5:42
